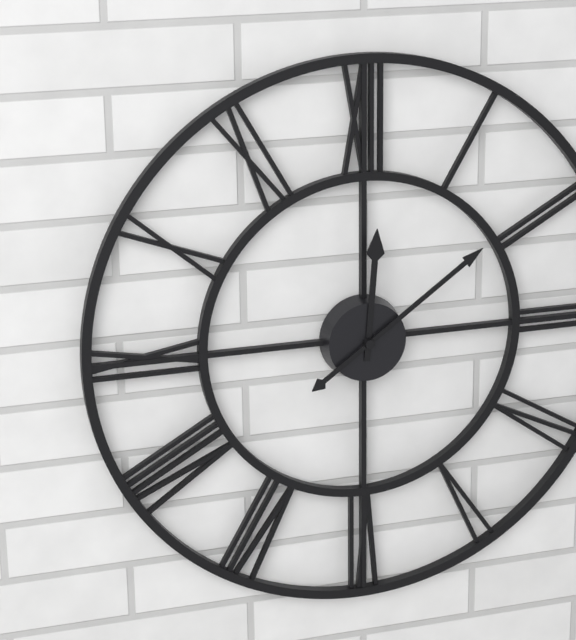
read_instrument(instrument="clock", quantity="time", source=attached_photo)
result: 12:09
